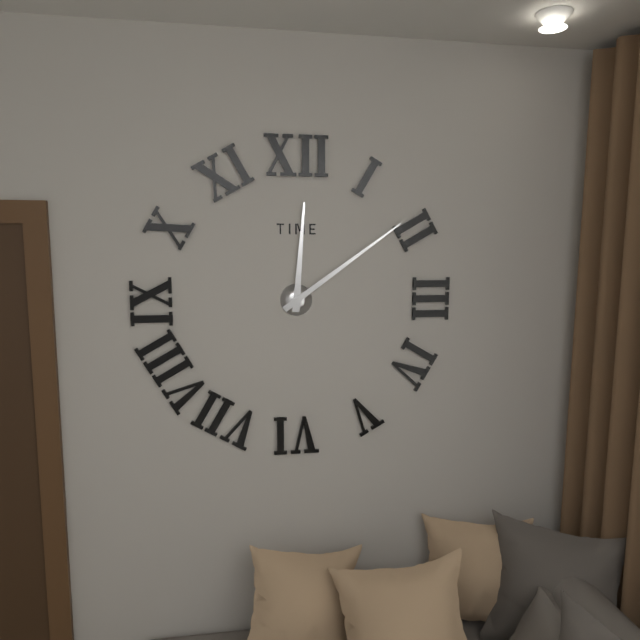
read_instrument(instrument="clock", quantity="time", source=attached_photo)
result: 12:09
